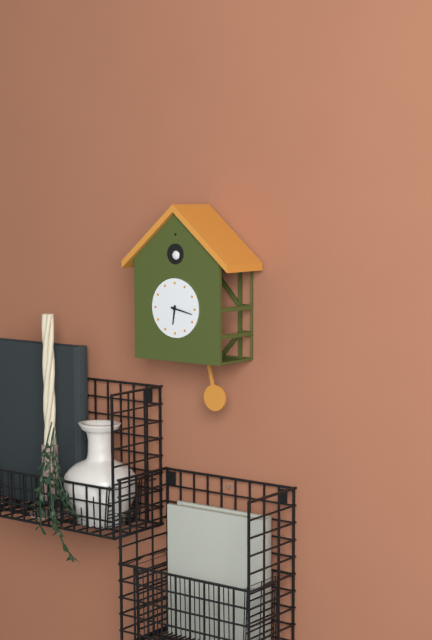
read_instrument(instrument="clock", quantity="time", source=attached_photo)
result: 6:17
